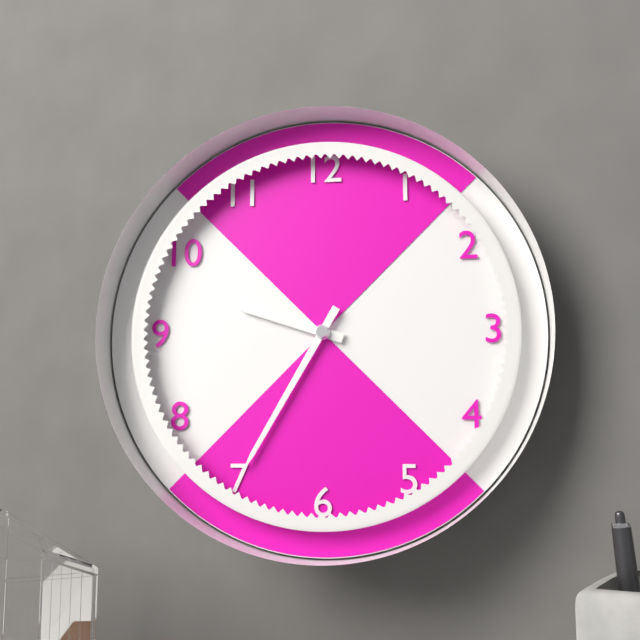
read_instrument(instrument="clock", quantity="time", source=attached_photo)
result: 9:35
